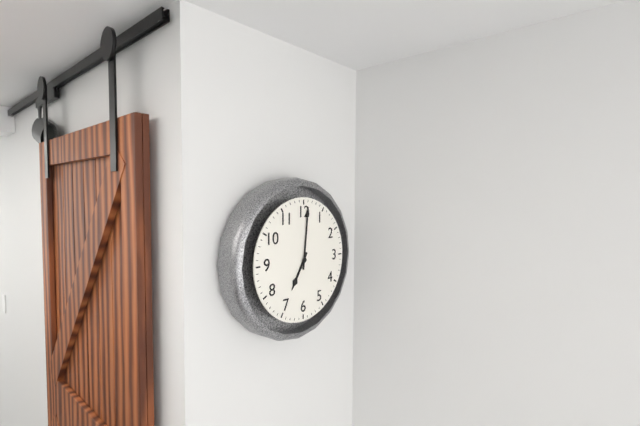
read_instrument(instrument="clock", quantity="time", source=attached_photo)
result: 7:01
